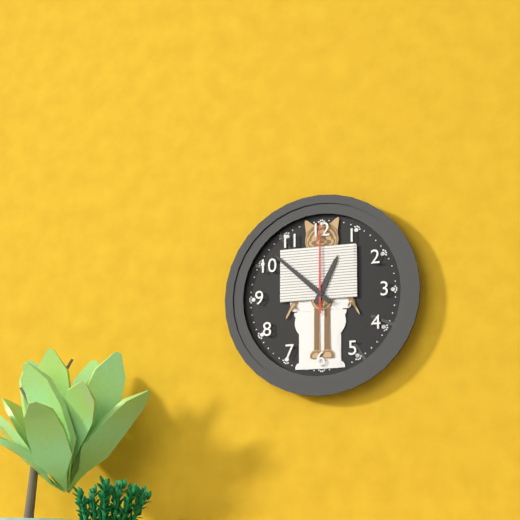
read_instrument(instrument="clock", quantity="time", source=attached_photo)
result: 12:52:00
